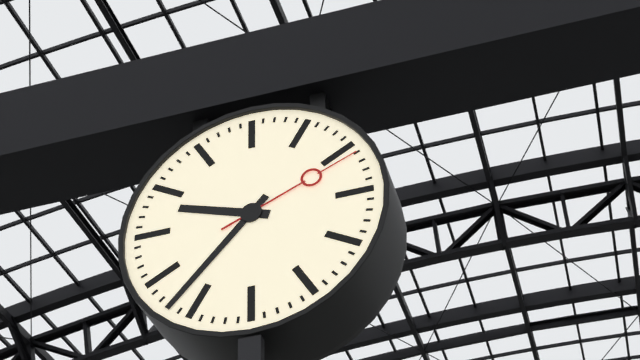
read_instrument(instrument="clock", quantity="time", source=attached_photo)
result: 9:37:11
